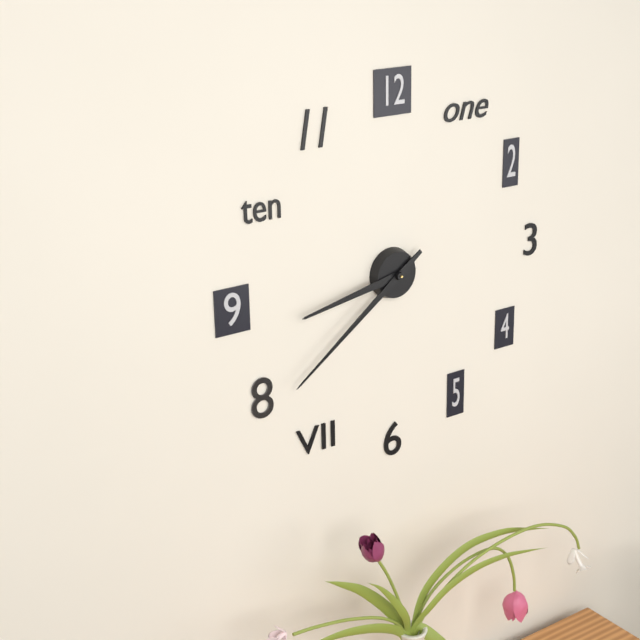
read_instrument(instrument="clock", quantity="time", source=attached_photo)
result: 8:39
